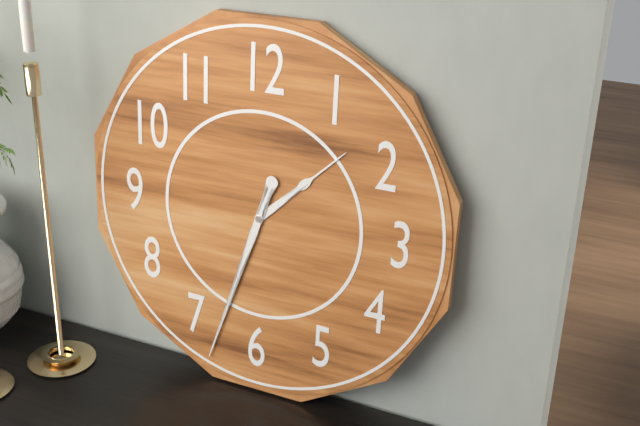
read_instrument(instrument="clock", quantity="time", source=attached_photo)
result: 1:33
